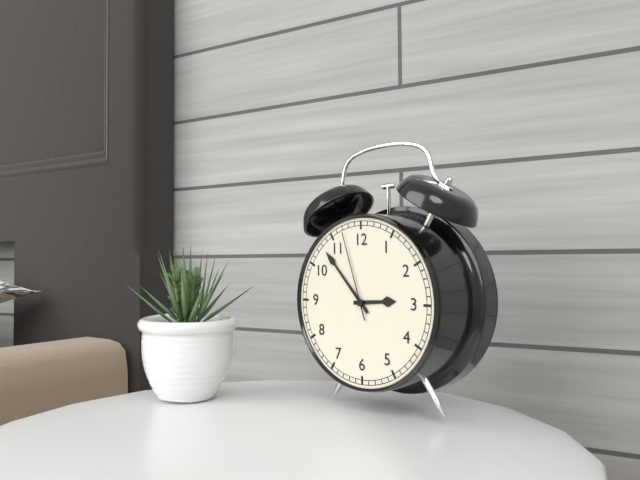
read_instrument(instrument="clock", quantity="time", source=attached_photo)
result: 2:53:57
